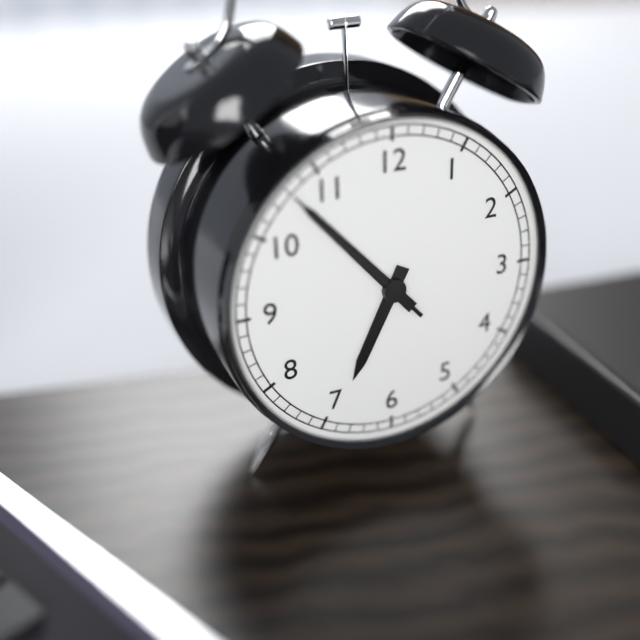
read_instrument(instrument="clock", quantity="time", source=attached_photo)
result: 6:53:53
